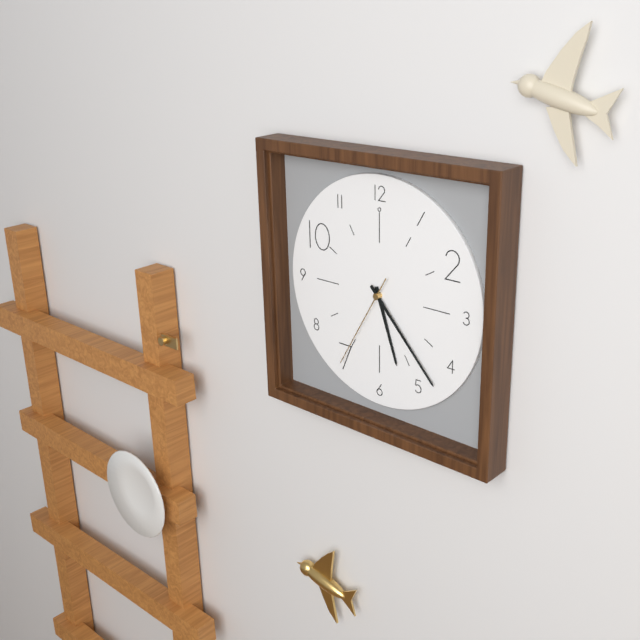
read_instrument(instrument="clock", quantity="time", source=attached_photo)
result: 5:23:35
